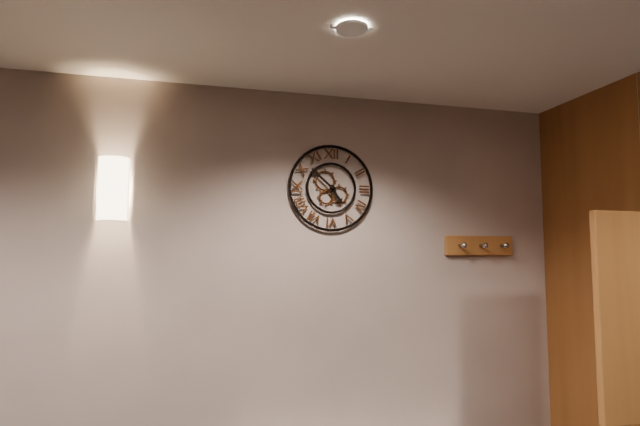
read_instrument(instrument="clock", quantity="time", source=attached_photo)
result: 4:52
